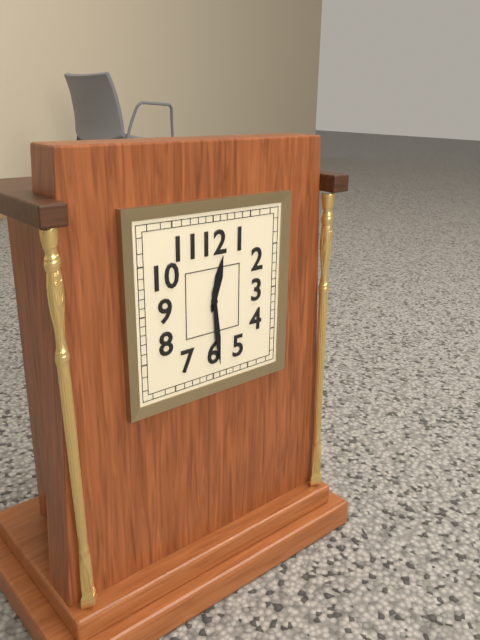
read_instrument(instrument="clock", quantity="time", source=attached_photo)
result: 12:29
